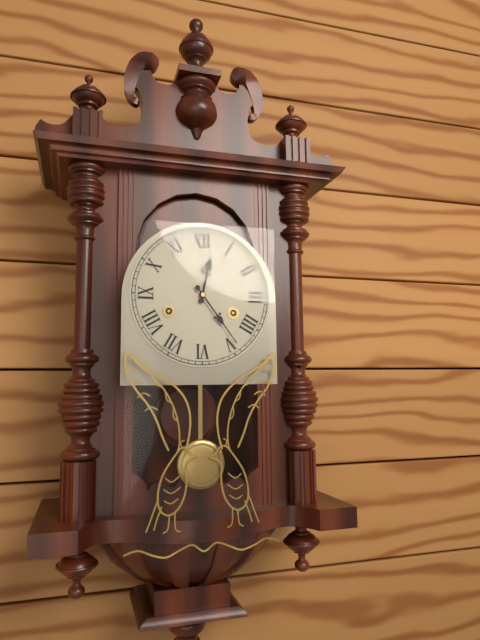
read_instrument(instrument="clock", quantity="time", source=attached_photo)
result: 12:24
